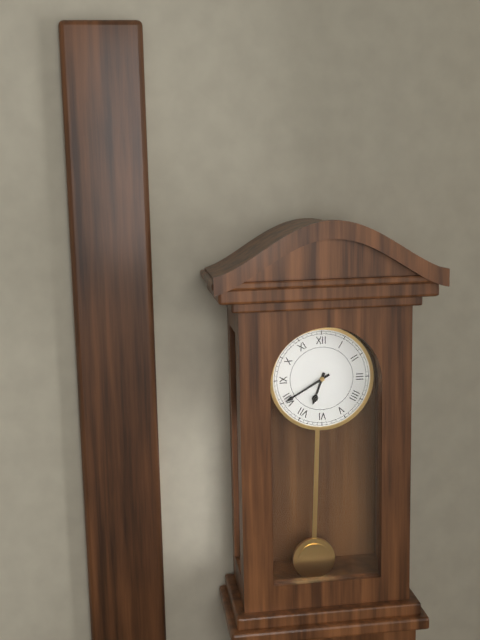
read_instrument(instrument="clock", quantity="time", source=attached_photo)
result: 6:40
